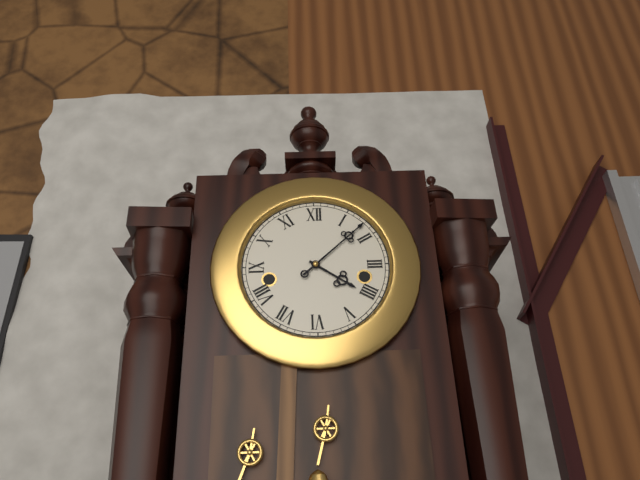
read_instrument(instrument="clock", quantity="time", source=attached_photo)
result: 4:08
